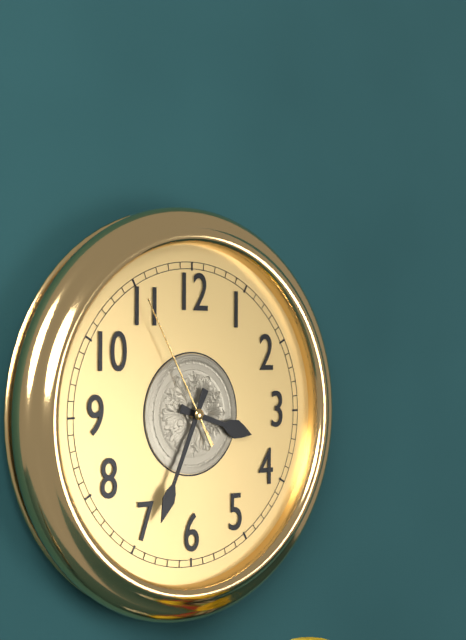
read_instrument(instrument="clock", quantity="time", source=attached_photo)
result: 3:34:55
